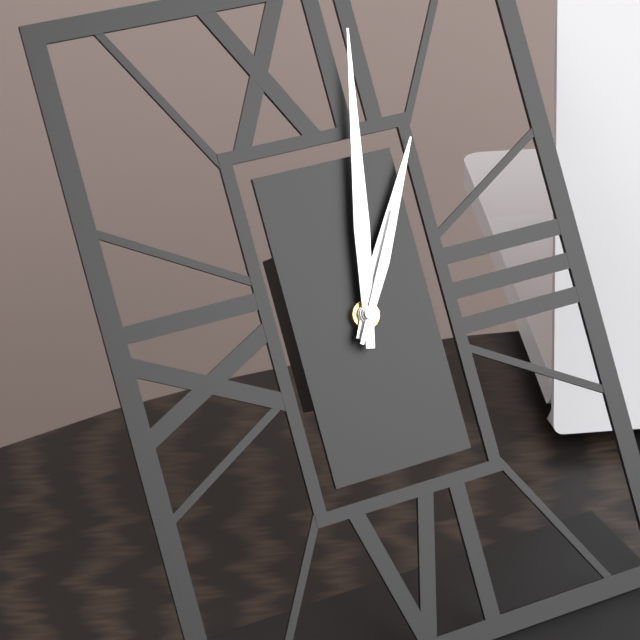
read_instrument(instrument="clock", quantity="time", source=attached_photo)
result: 1:02:05
